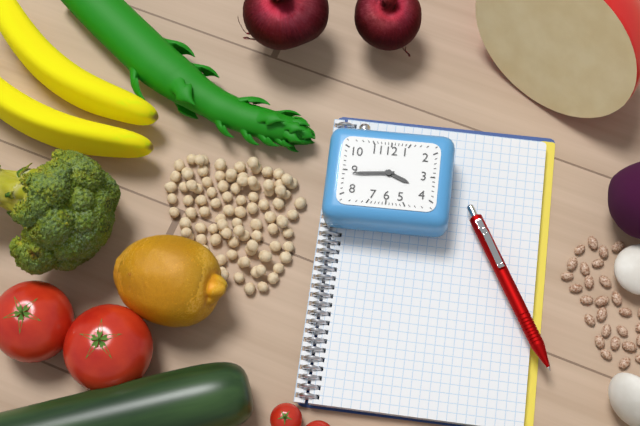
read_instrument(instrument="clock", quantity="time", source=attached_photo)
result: 3:44
